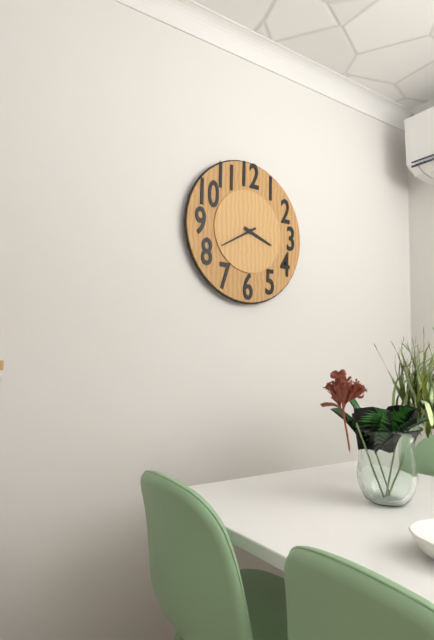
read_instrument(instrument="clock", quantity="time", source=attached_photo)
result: 3:40
